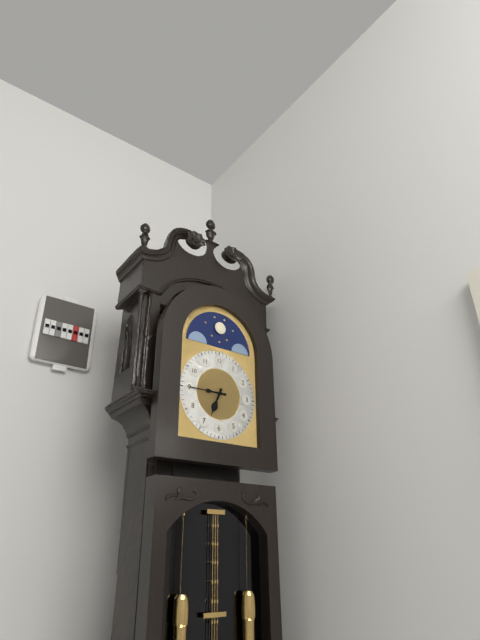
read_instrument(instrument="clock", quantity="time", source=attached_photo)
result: 6:45
